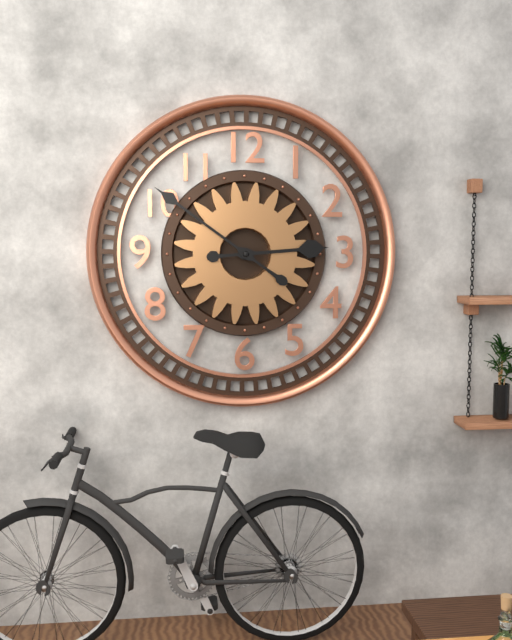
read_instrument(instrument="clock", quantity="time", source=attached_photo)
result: 2:51
